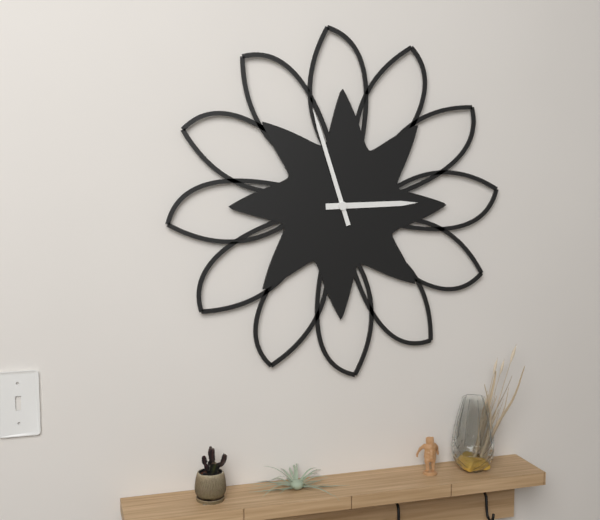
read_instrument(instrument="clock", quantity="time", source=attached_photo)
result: 2:57
